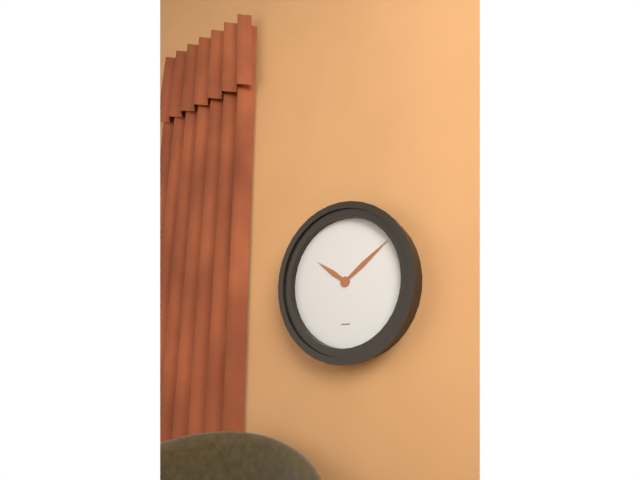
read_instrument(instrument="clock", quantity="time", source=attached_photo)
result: 10:09
